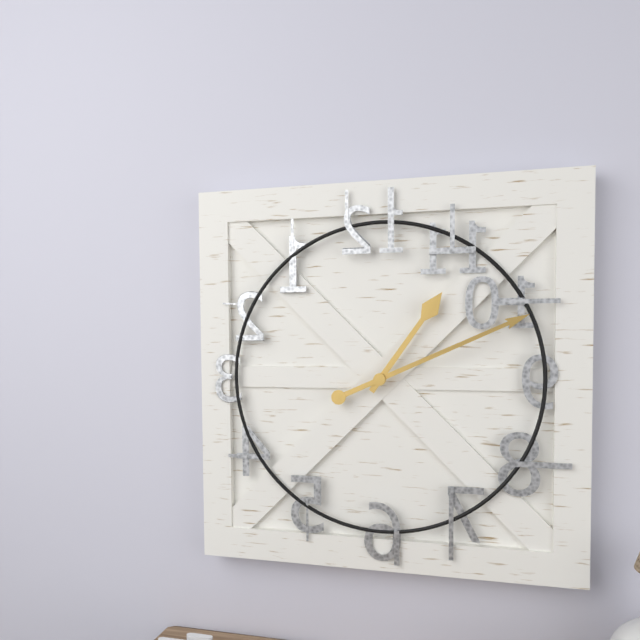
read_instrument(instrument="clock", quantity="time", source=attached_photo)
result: 1:11
